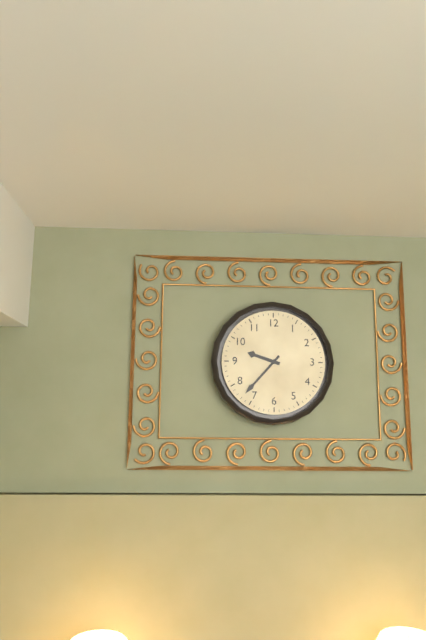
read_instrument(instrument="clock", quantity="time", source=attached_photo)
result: 9:37
